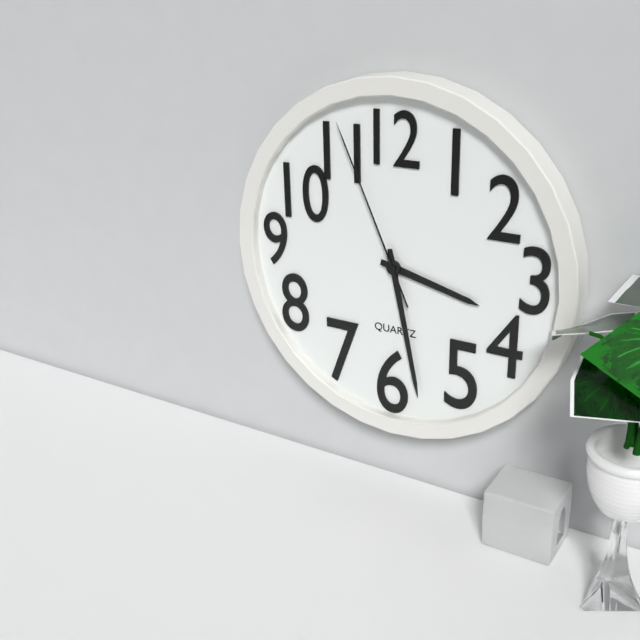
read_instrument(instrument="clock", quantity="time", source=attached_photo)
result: 3:28:56
